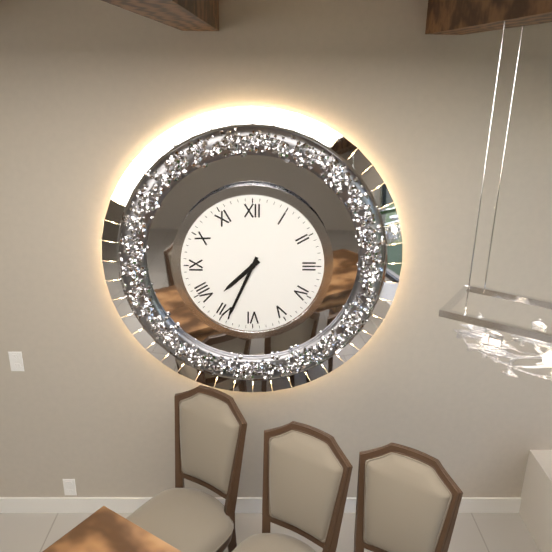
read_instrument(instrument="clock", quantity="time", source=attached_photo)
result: 7:34
